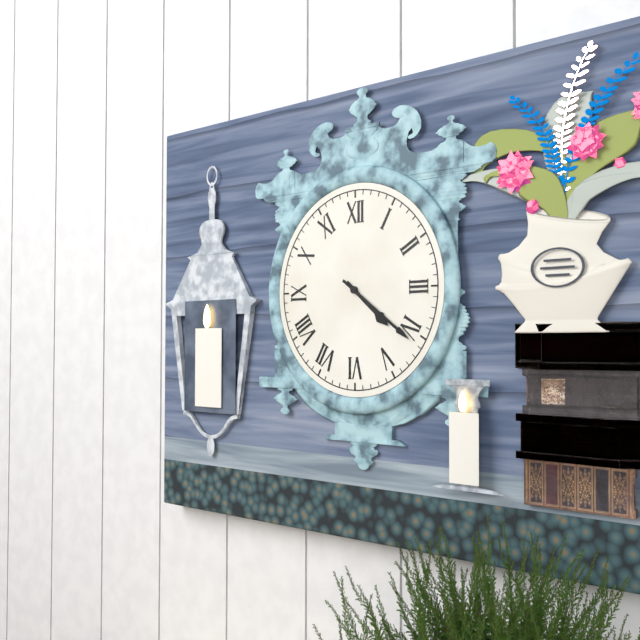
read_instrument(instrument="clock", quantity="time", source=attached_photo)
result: 4:21
